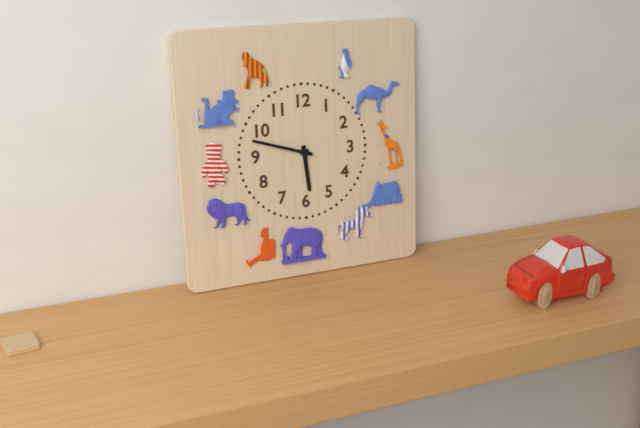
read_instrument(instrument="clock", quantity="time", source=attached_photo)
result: 5:48
